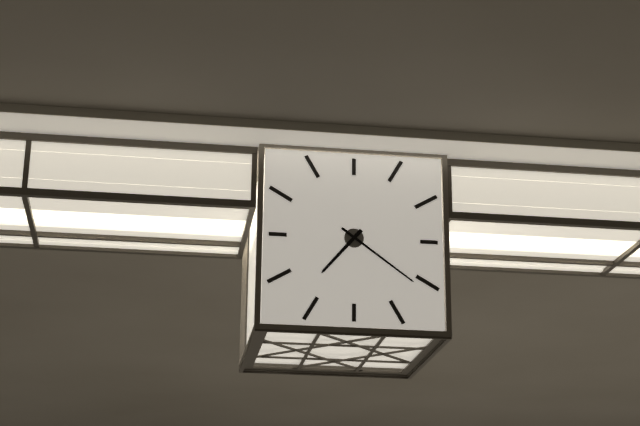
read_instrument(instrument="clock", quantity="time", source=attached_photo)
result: 7:21
